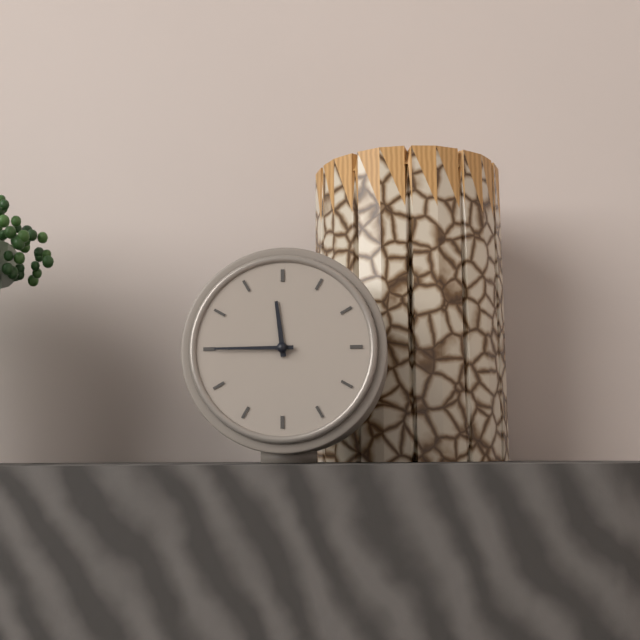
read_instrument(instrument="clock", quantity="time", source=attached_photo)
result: 11:45
